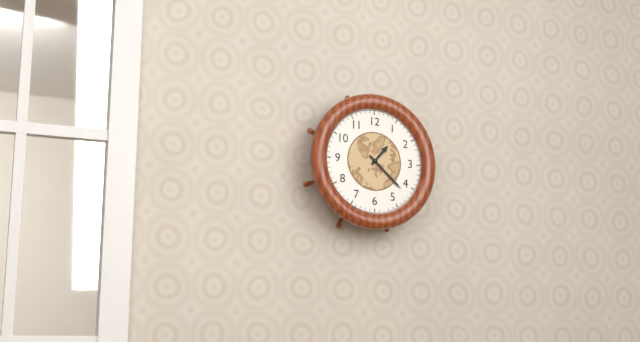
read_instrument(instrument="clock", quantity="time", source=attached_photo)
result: 1:22
